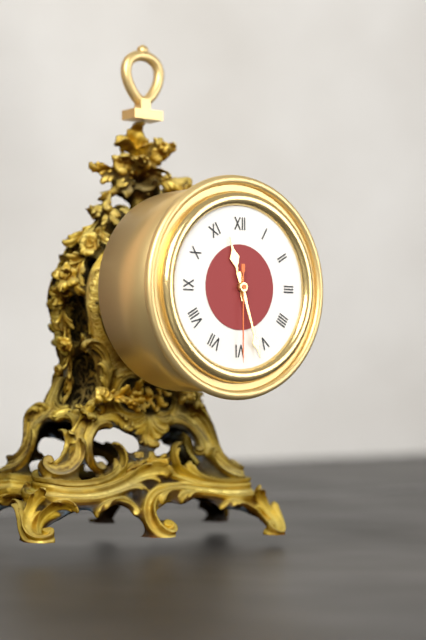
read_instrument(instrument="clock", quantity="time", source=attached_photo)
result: 11:27:30
